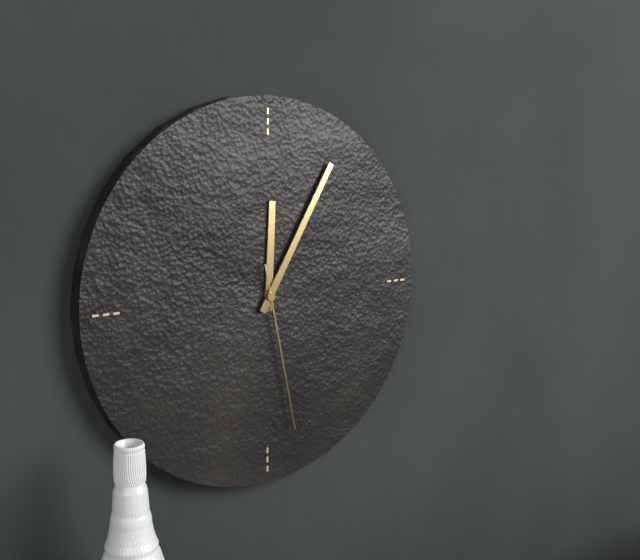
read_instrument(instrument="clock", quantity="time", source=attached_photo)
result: 12:05:28
